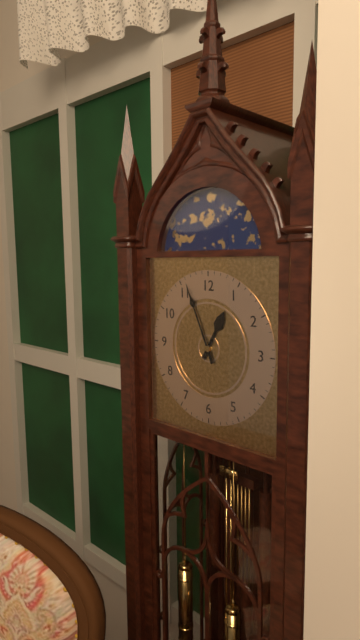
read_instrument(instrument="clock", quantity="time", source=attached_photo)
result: 12:56
